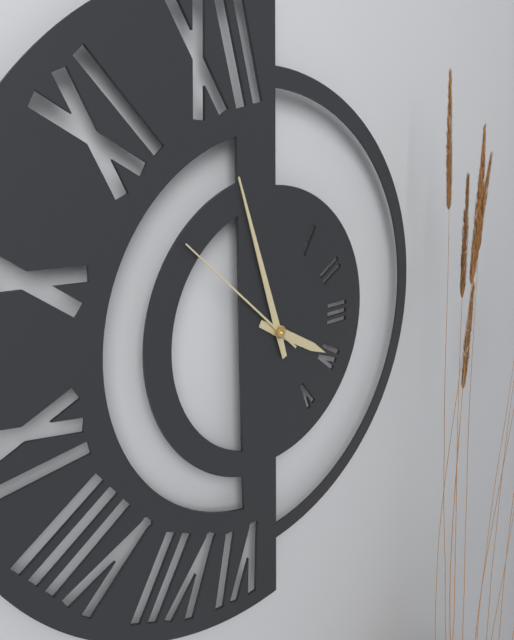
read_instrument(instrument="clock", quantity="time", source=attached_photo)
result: 3:57:52
